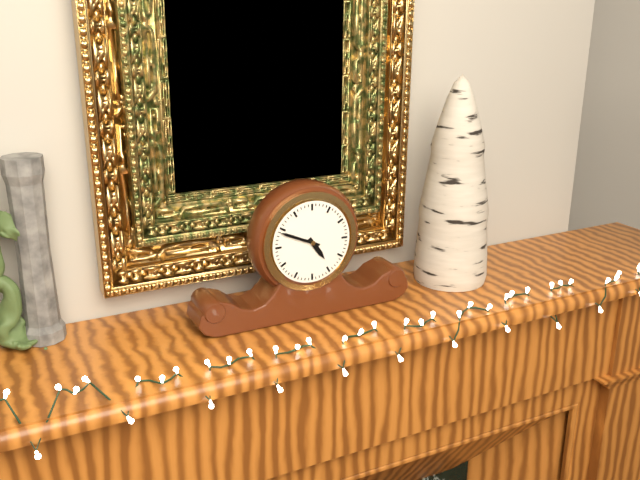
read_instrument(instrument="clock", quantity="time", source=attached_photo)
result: 4:49
